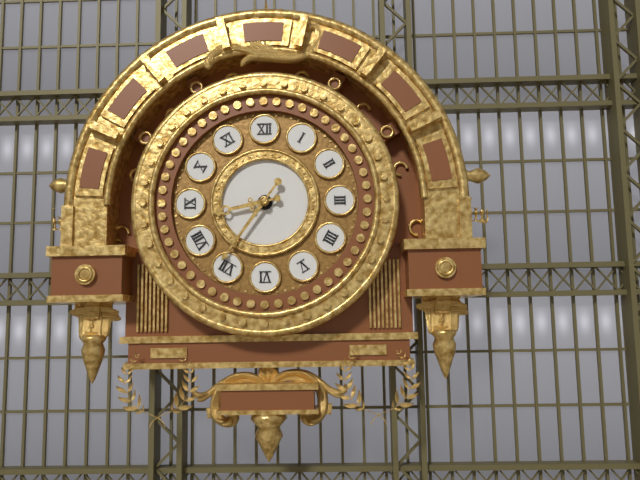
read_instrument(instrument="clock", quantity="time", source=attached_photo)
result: 8:36
